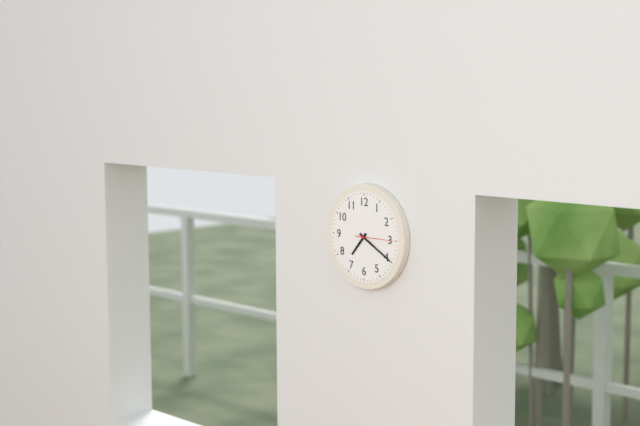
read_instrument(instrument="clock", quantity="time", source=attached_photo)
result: 7:20
